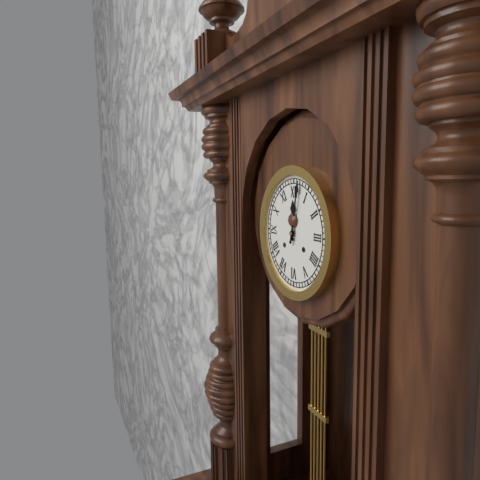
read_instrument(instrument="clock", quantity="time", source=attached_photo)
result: 12:02
